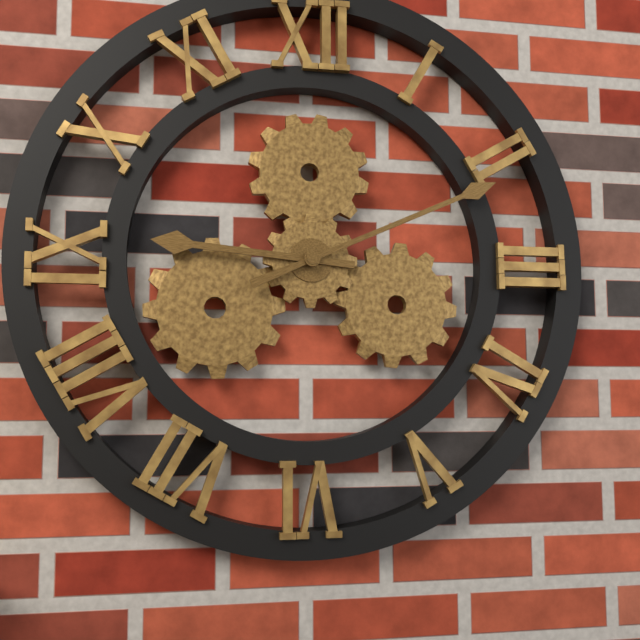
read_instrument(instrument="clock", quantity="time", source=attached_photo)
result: 9:11
